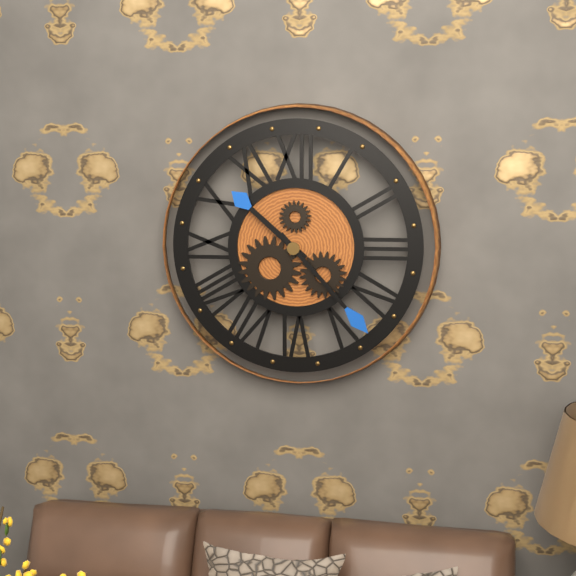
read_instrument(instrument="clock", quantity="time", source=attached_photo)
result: 10:23
